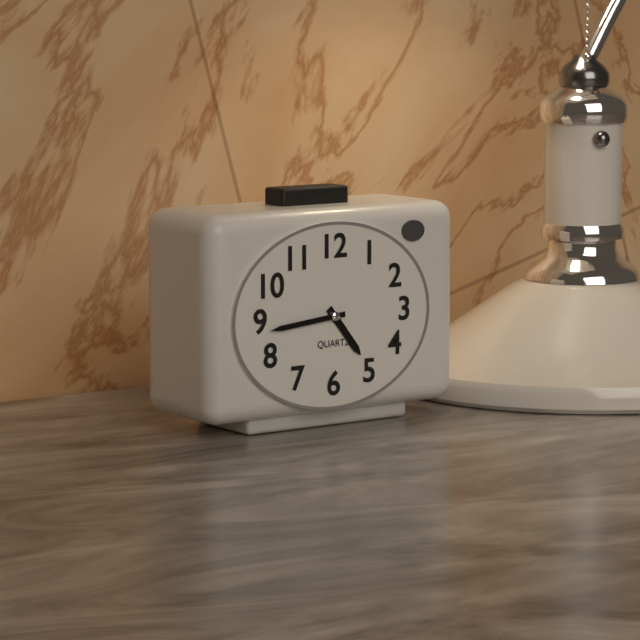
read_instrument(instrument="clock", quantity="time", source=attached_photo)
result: 4:44
